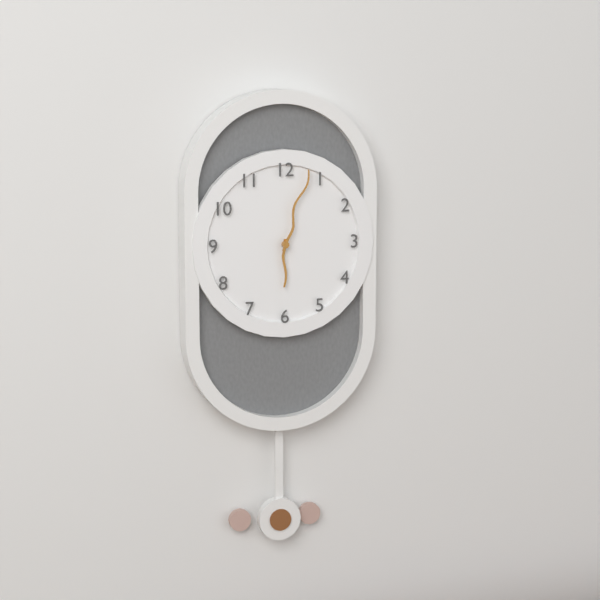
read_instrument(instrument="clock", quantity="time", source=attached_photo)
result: 6:03
